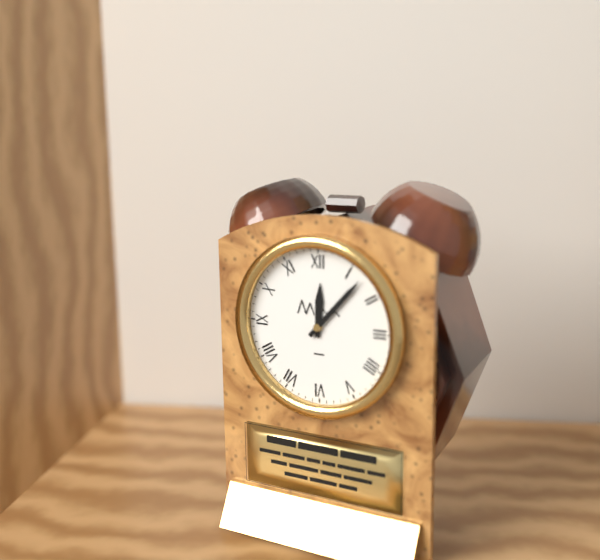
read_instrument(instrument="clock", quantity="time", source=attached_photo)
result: 12:07
